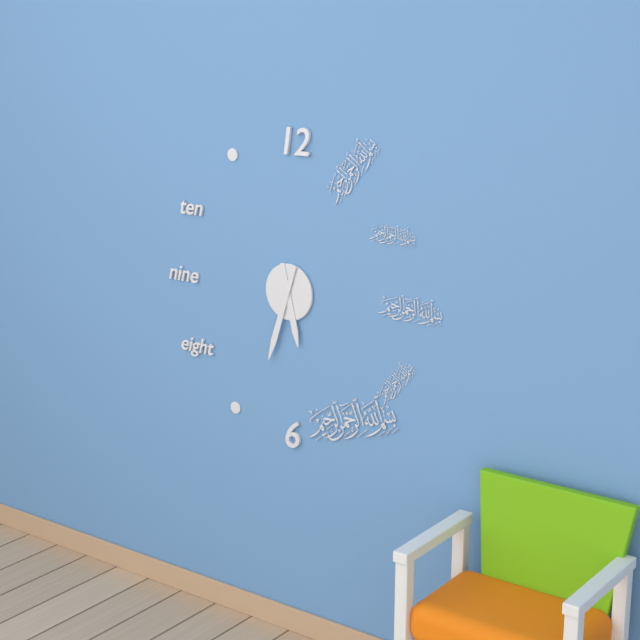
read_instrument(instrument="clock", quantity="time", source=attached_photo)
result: 5:33
